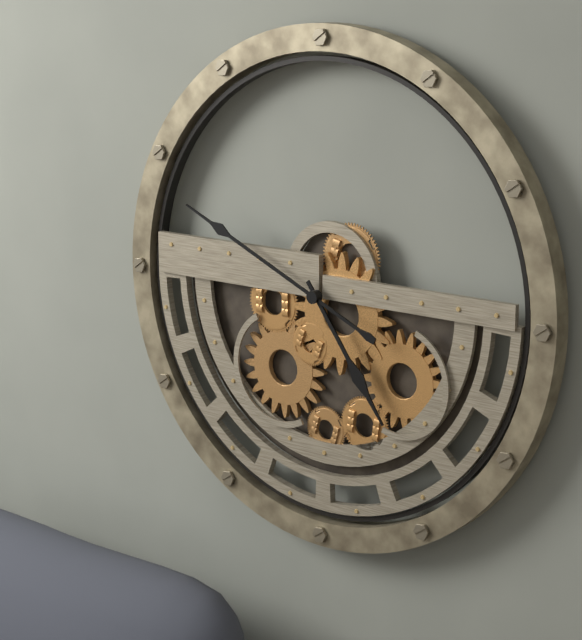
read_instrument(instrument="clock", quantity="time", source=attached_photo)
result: 4:49
